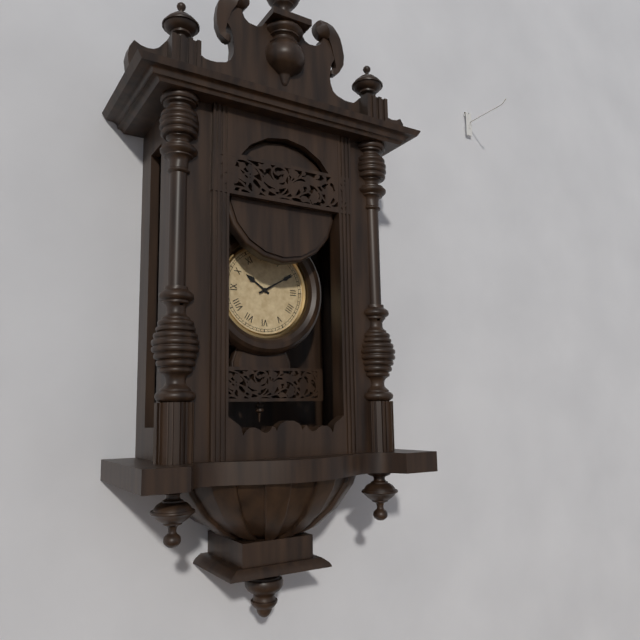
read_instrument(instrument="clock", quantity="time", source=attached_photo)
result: 10:10
